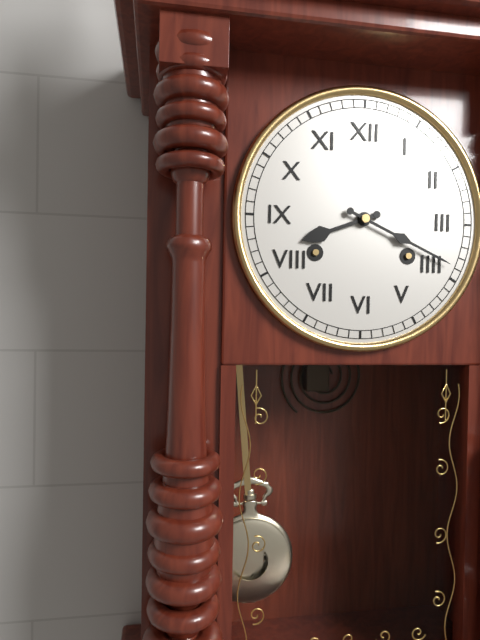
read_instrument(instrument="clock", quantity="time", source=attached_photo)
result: 8:19
